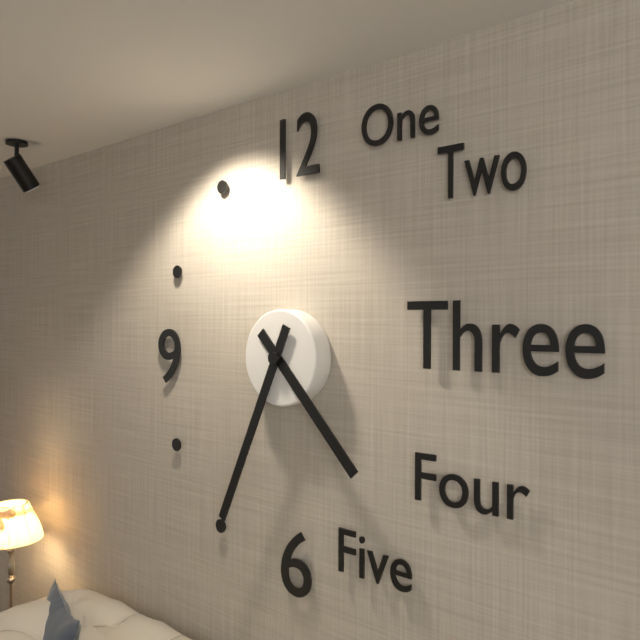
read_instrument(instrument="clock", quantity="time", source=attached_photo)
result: 4:34
